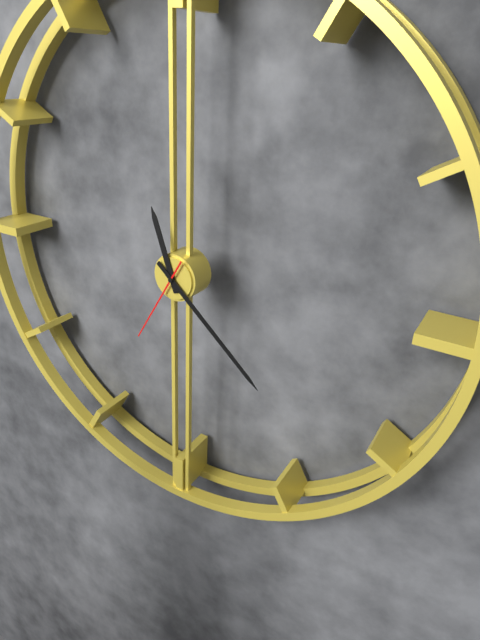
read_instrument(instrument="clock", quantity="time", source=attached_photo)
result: 11:22:35
